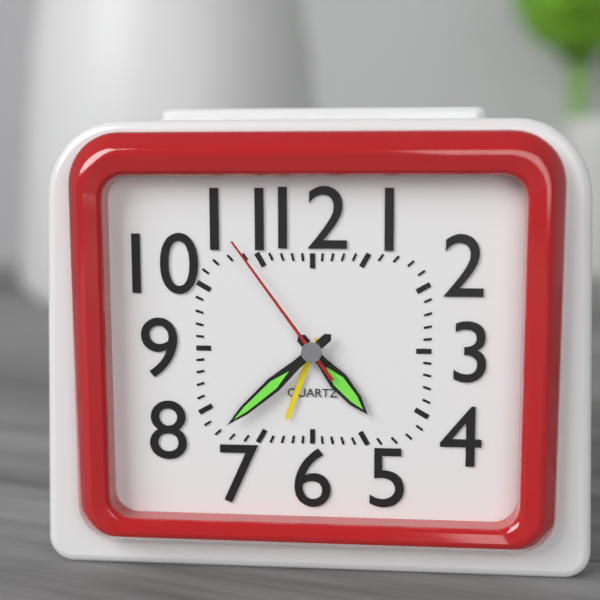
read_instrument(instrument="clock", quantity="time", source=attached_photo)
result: 4:38:54
